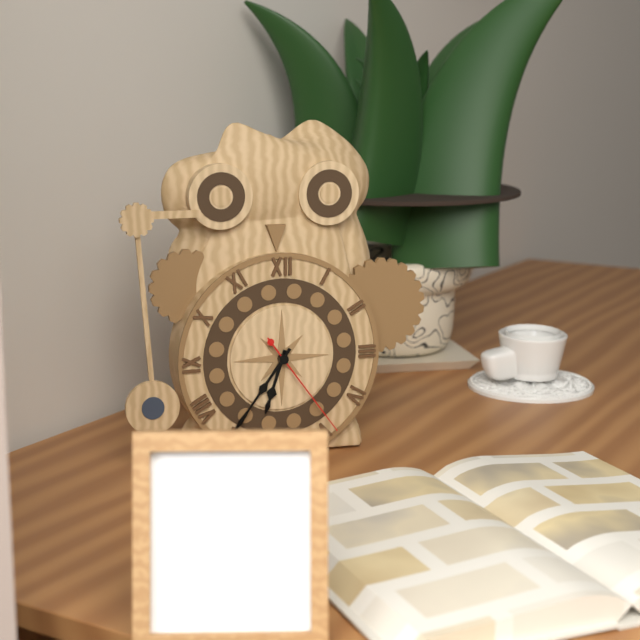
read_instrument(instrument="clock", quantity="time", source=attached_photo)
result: 6:36:24
